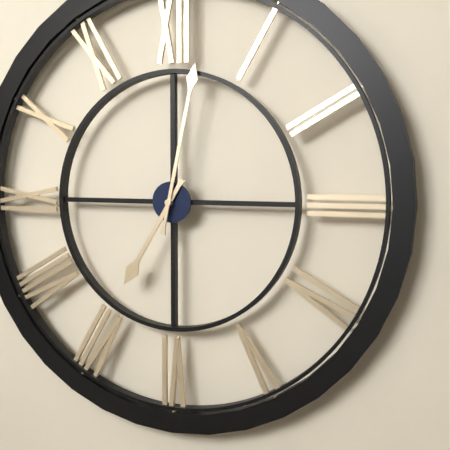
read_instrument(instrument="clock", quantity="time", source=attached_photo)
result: 7:02
